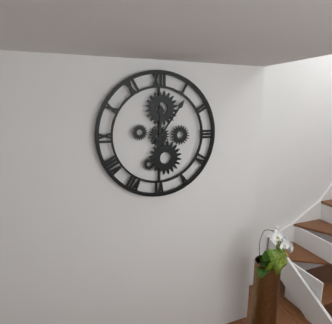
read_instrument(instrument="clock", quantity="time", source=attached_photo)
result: 12:06
